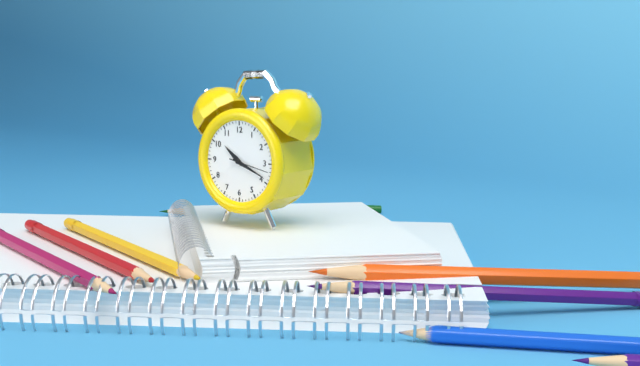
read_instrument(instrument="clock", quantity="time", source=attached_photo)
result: 10:19
